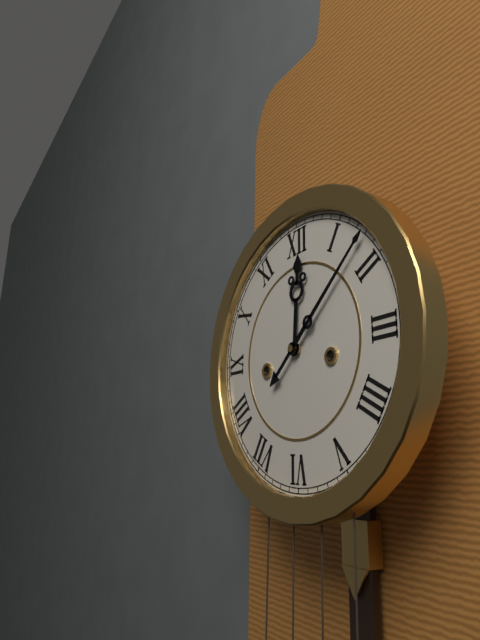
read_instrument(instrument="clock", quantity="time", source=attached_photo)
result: 12:08
